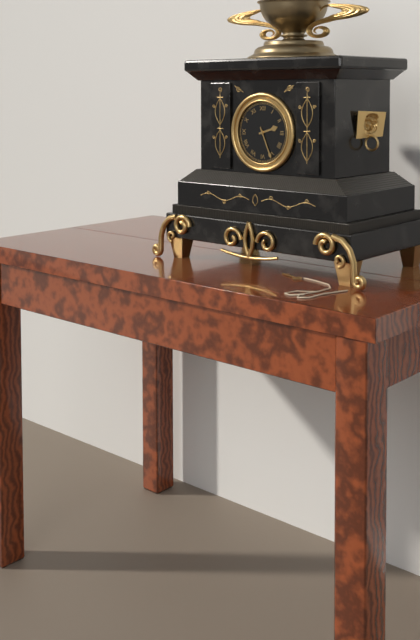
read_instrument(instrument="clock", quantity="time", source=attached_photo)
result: 2:26
